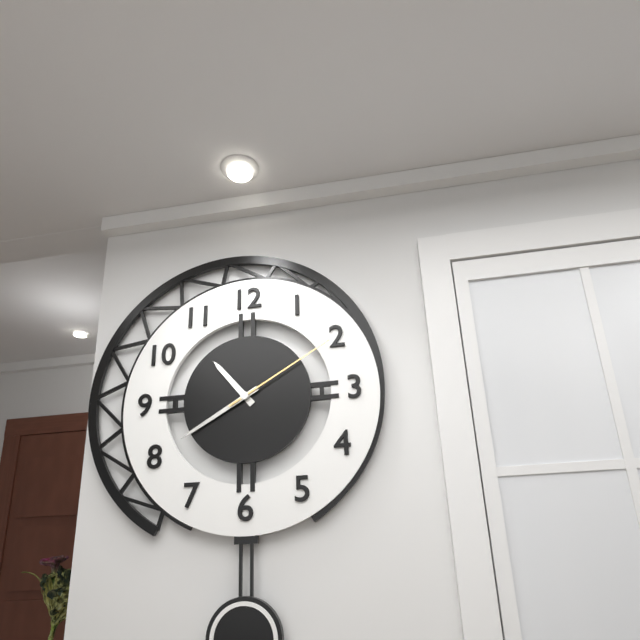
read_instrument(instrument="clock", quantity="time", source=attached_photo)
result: 10:40:10
